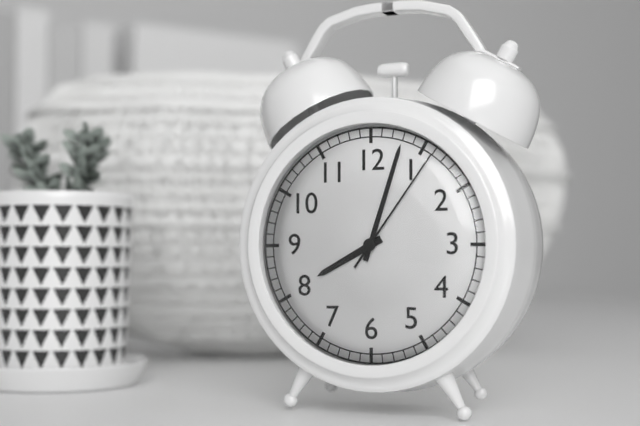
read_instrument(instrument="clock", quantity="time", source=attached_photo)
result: 8:03:06
